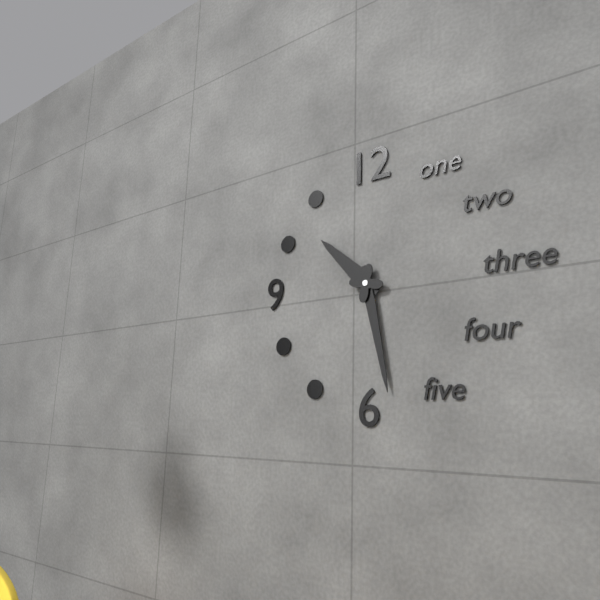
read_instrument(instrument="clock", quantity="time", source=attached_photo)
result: 10:28
